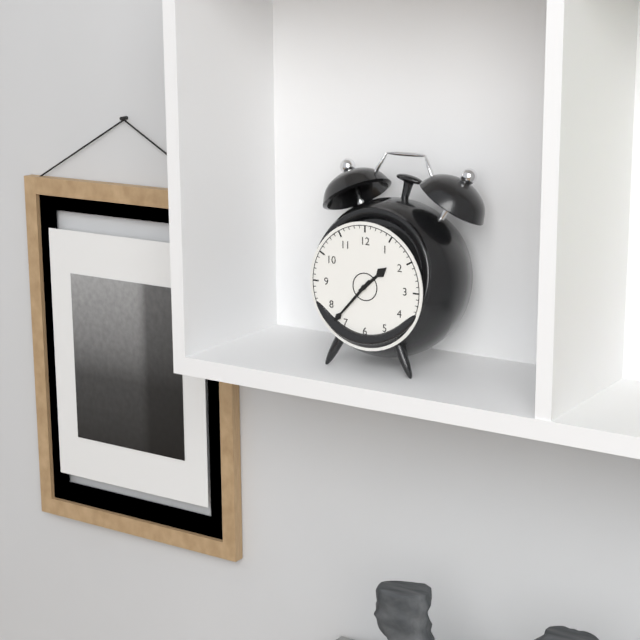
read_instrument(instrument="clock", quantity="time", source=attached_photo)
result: 1:37
